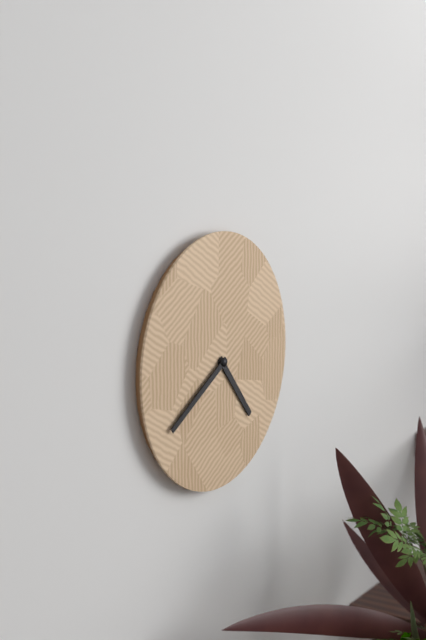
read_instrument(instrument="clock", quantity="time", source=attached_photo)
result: 4:40
